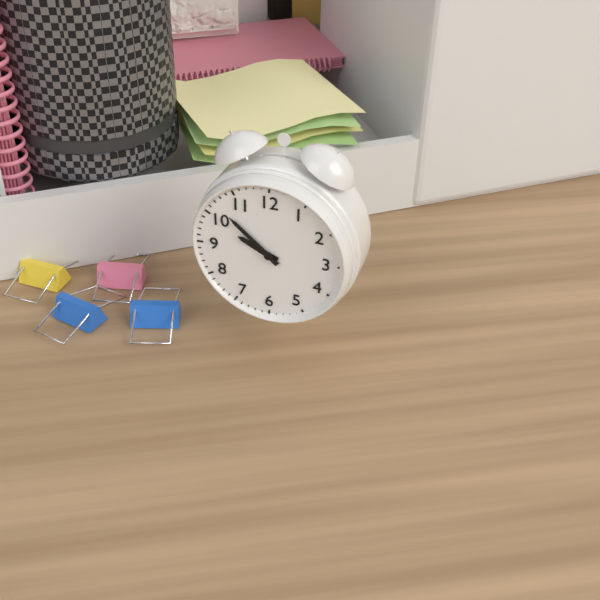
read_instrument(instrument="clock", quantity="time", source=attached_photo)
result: 9:52
